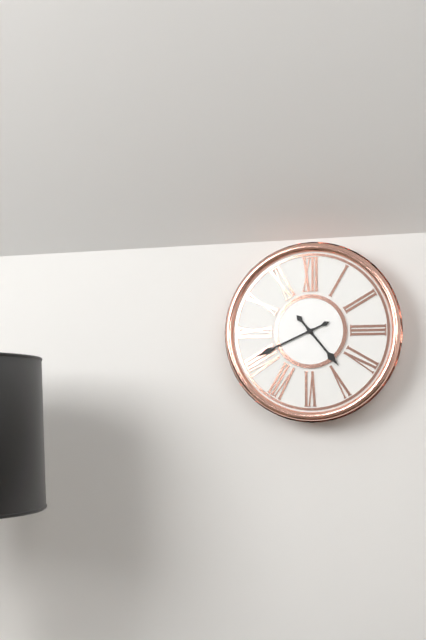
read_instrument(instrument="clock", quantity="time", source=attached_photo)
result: 4:41
